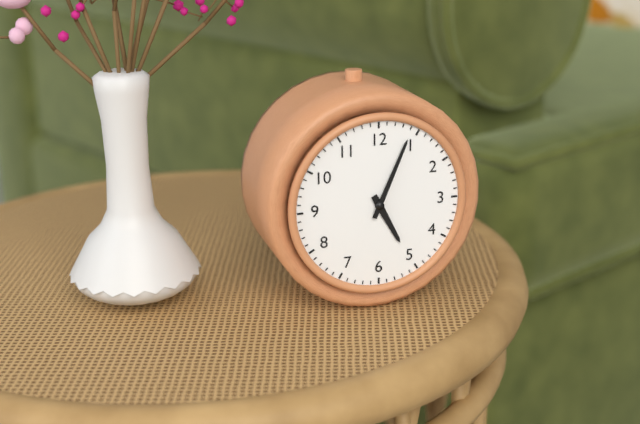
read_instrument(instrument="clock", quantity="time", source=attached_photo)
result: 5:04
